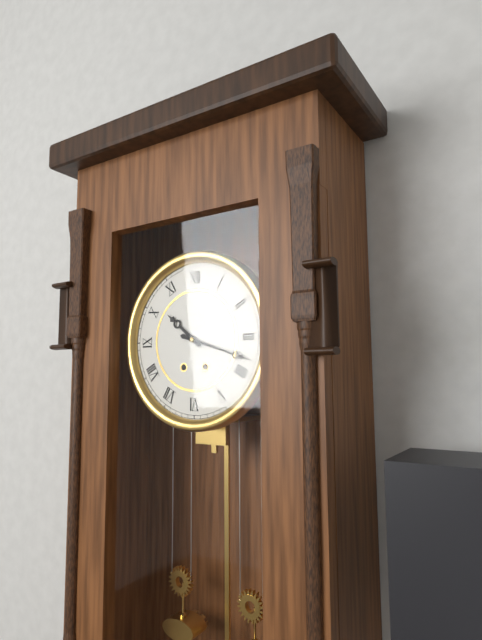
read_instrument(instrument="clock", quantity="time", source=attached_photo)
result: 10:18
